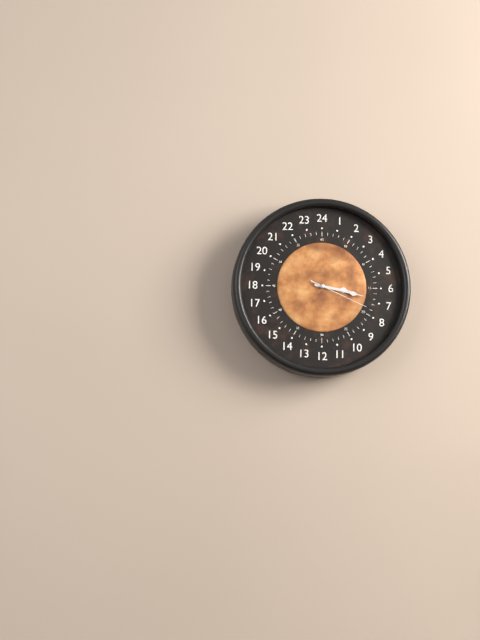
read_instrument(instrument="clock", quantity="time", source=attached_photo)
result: 3:17:19
